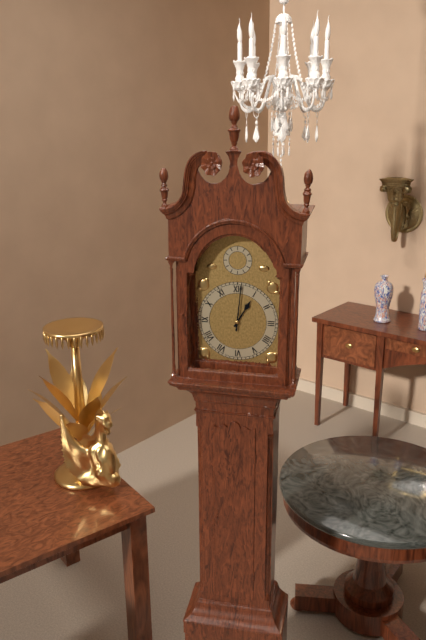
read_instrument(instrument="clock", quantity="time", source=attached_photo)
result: 1:01
